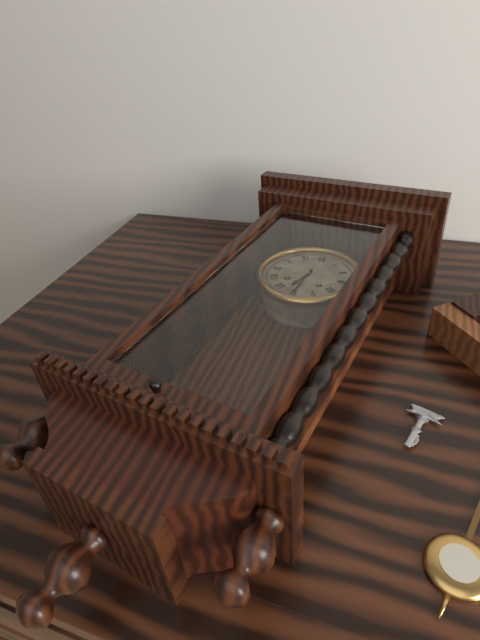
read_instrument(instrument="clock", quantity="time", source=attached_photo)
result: 6:30
